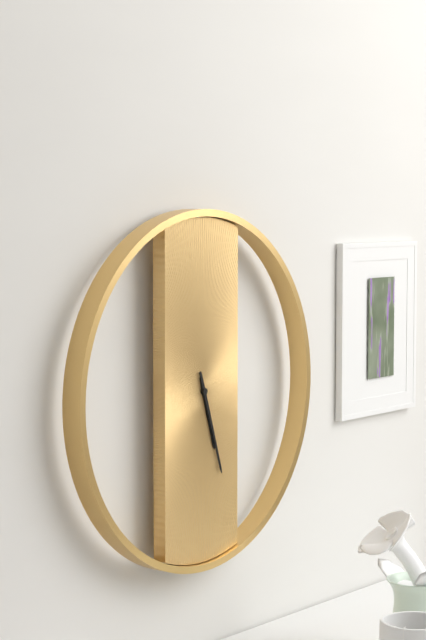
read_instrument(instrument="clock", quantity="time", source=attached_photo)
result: 5:27
